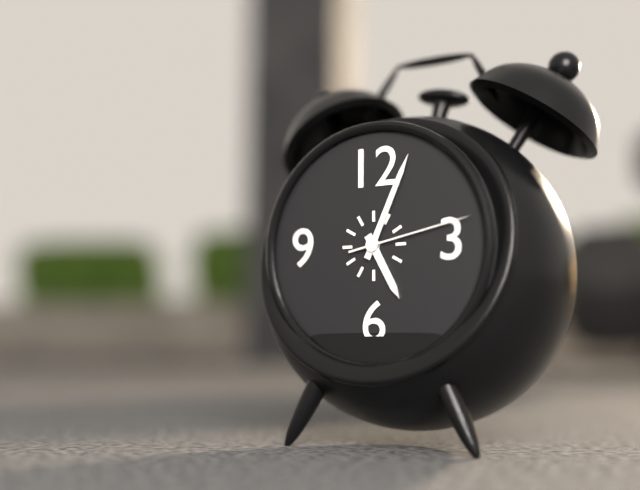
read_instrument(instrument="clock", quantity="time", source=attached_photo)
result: 5:04:13
